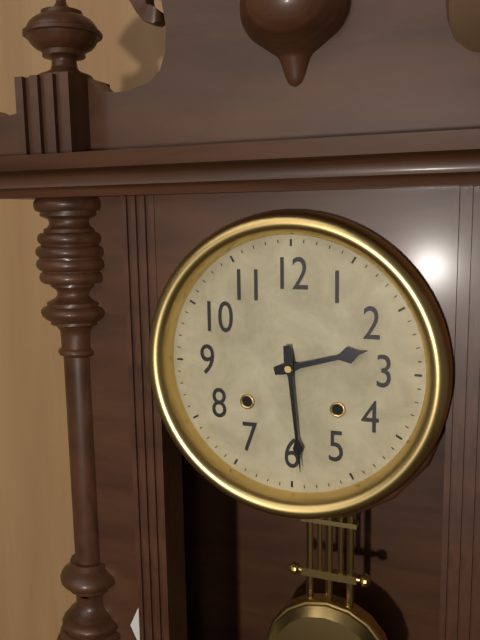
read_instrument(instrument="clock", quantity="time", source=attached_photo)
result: 2:29
